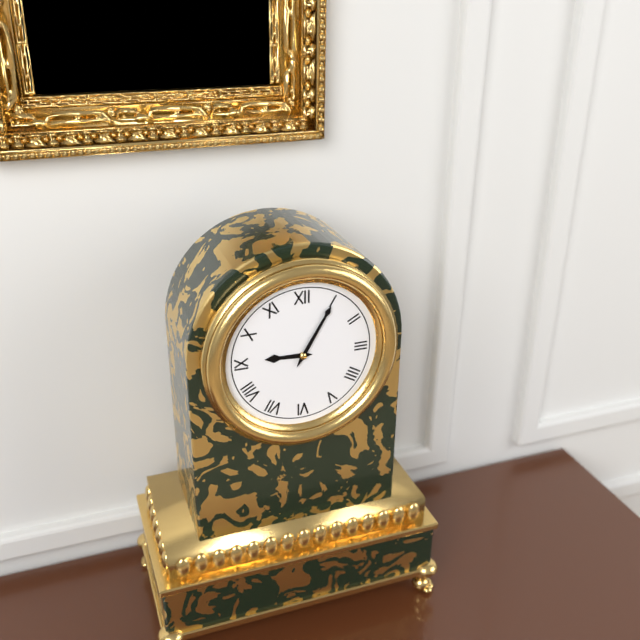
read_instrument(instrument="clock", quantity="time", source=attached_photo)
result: 9:05
